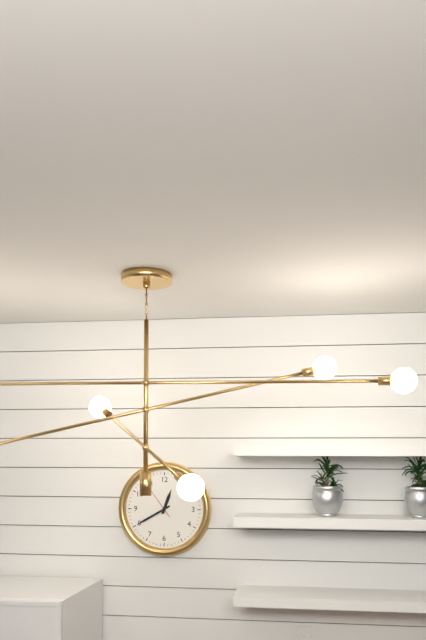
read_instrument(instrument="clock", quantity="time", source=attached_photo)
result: 12:40
